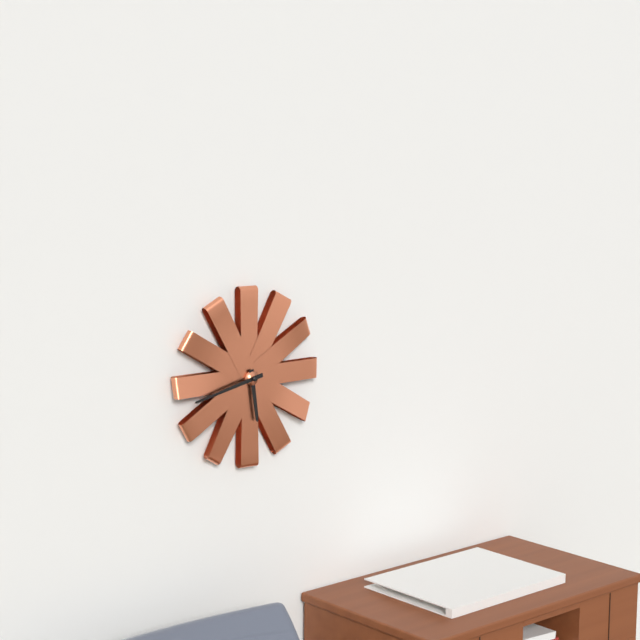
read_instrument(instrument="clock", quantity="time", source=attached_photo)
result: 5:43
